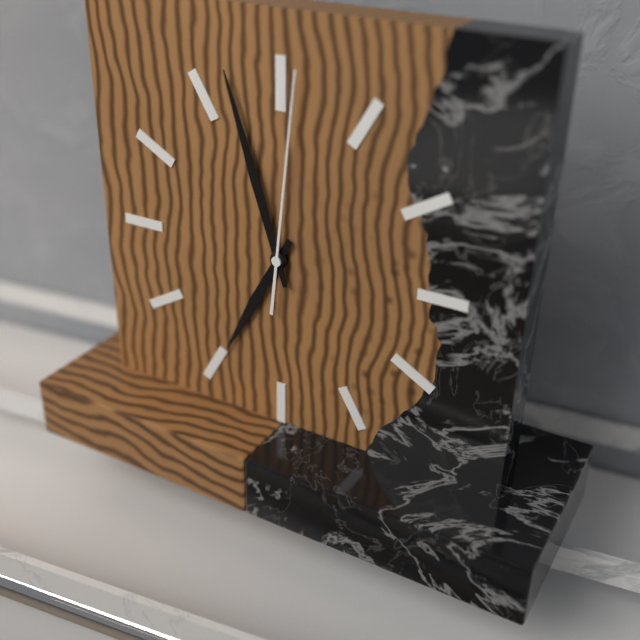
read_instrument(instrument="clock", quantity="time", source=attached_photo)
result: 6:57:01
